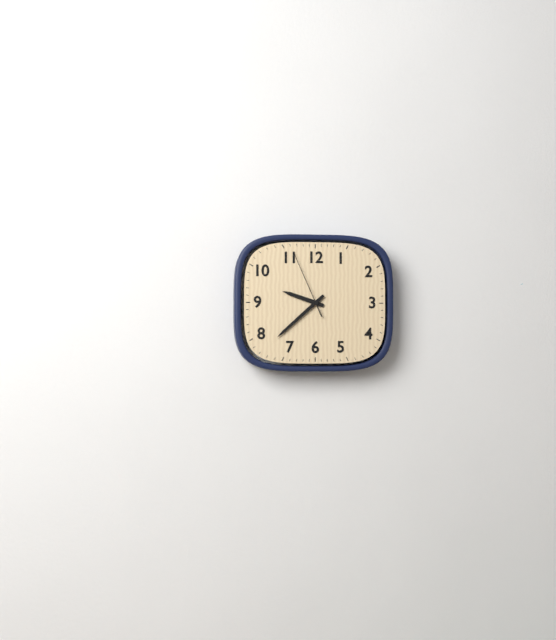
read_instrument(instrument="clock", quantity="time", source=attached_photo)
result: 9:38:56
